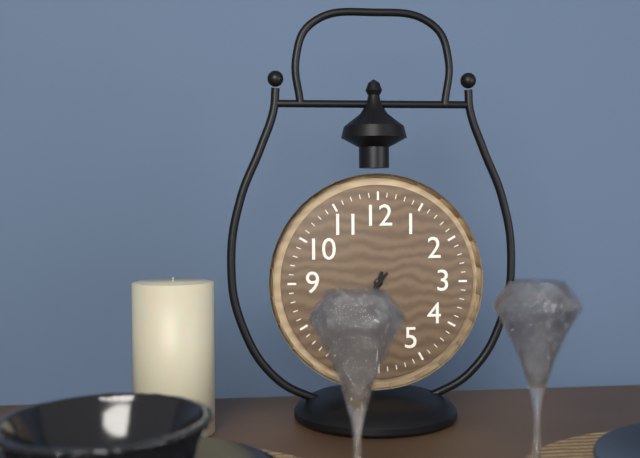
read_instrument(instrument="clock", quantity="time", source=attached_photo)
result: 6:37
